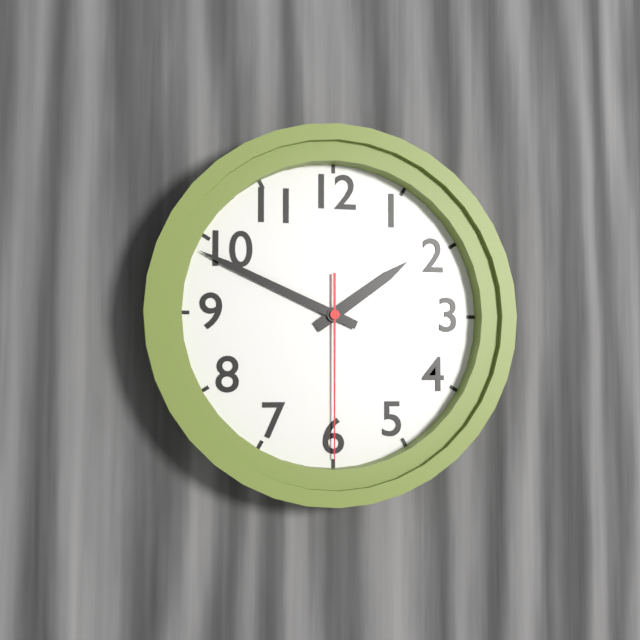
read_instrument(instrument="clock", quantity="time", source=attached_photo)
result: 1:49:30
